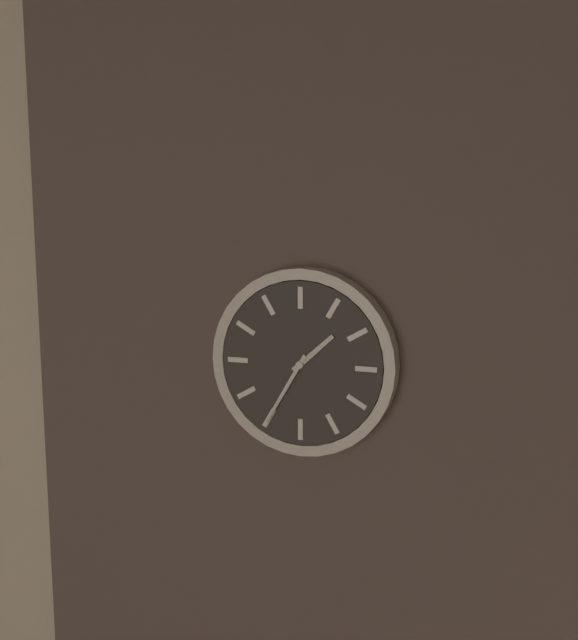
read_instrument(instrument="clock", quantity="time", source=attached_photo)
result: 1:35
